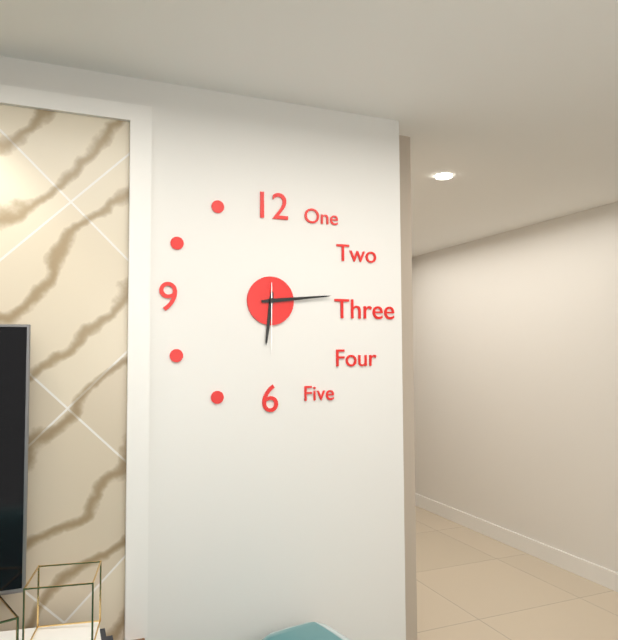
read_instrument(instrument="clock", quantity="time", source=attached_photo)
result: 6:14:30
